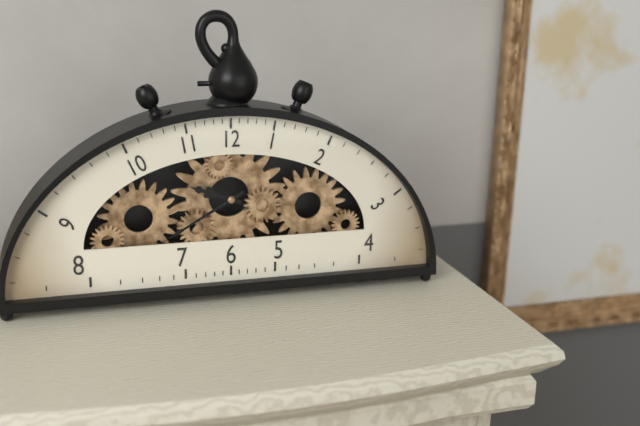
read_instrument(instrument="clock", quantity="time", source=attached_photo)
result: 9:40
